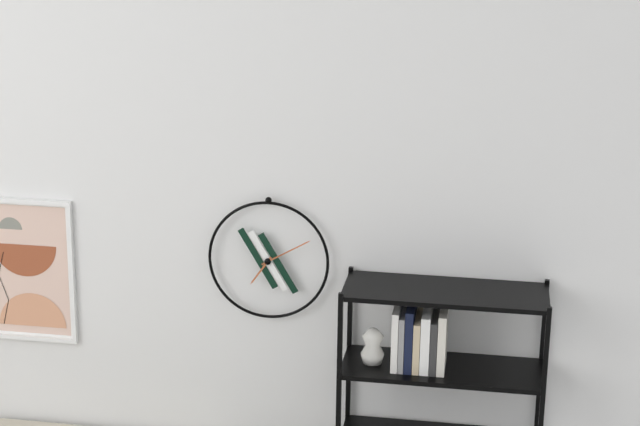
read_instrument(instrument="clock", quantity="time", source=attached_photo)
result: 7:10
